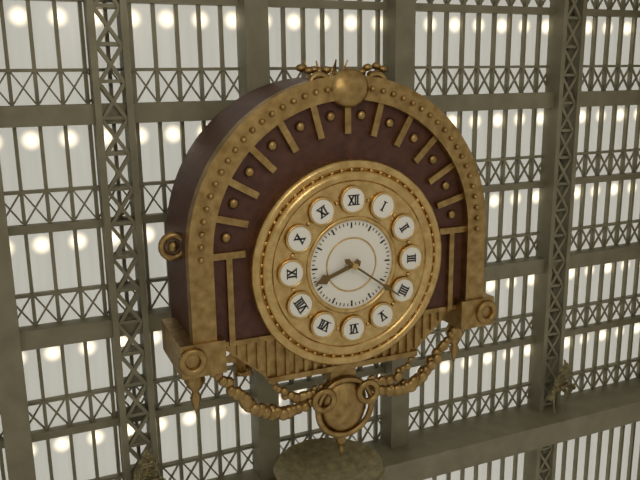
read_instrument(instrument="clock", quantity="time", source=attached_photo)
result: 8:21
